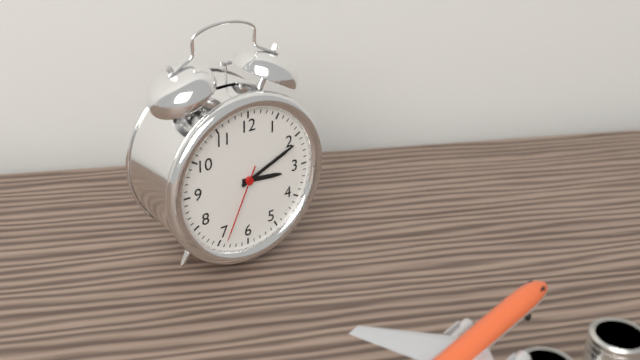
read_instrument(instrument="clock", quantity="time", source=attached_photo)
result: 3:11:34
